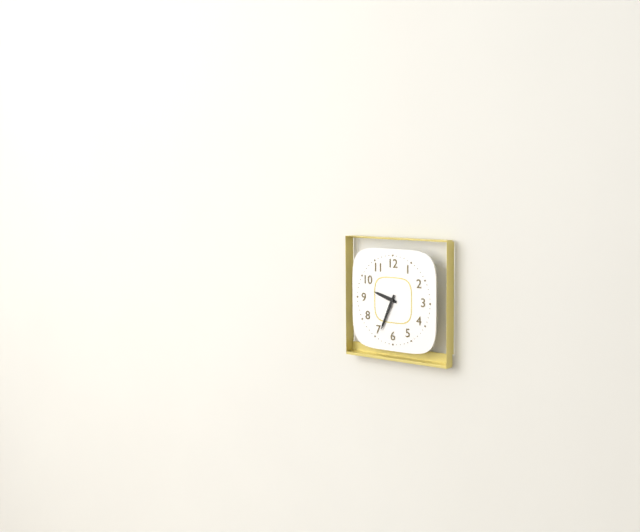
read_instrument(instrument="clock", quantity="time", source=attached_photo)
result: 9:34
